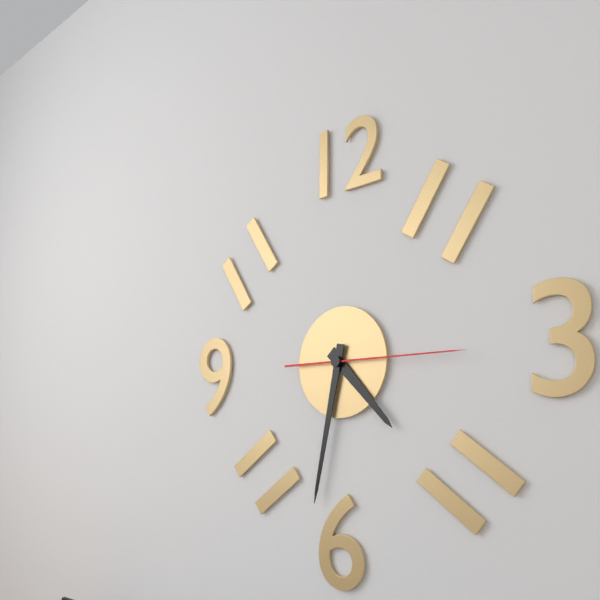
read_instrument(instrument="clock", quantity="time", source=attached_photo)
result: 4:32:15
